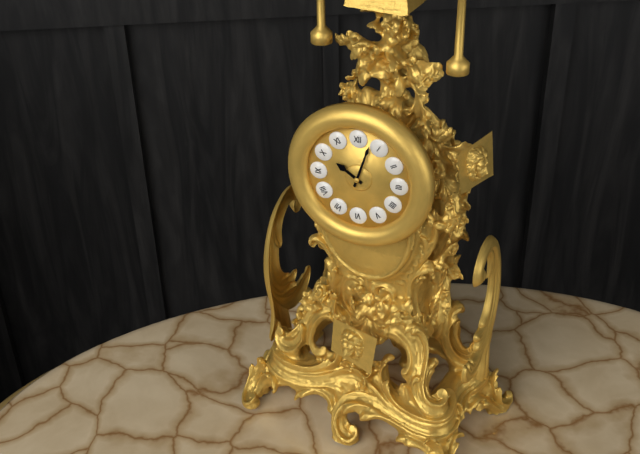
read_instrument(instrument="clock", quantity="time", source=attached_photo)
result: 10:03
